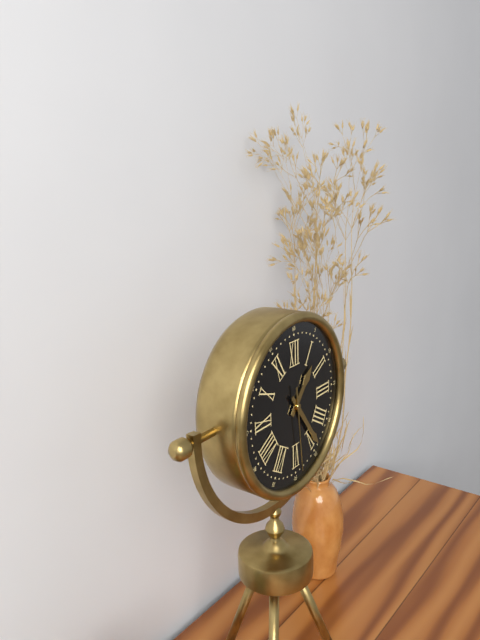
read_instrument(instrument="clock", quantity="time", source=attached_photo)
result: 1:24:29
